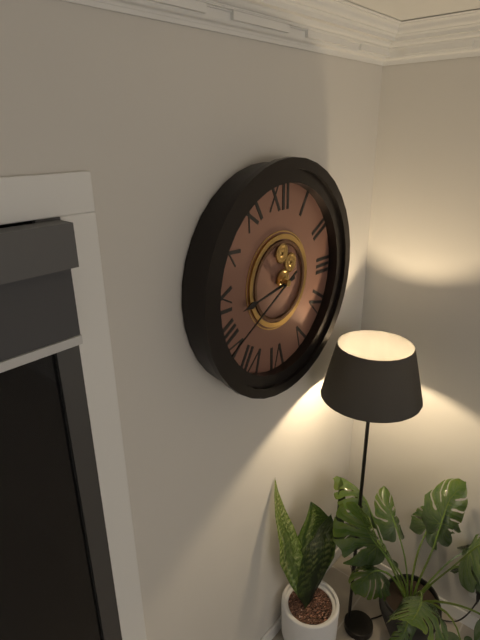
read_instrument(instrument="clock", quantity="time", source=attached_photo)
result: 8:40
